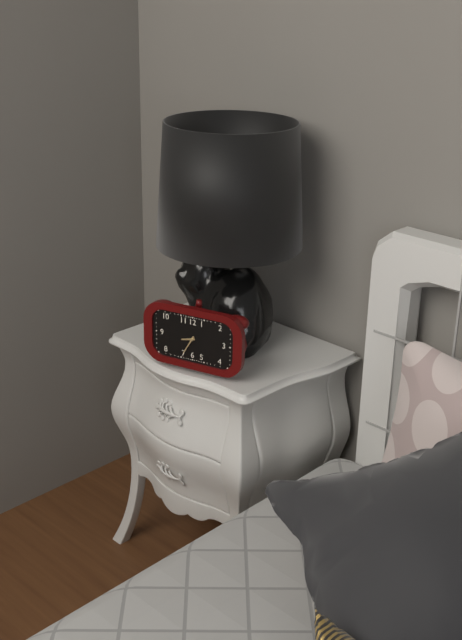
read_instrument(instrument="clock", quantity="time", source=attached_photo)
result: 8:35
